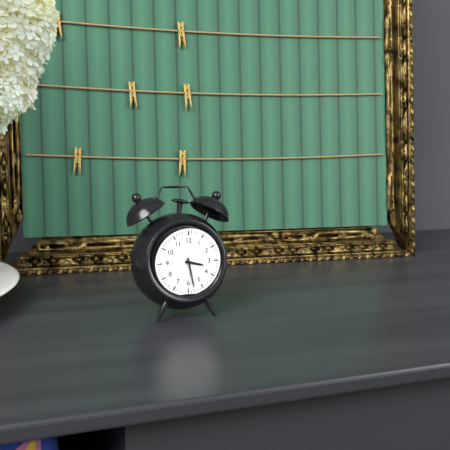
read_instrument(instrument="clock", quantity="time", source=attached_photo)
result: 3:28
